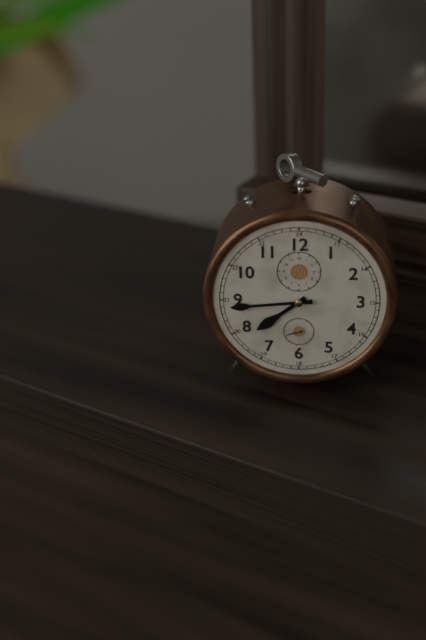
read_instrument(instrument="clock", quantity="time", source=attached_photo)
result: 7:44
